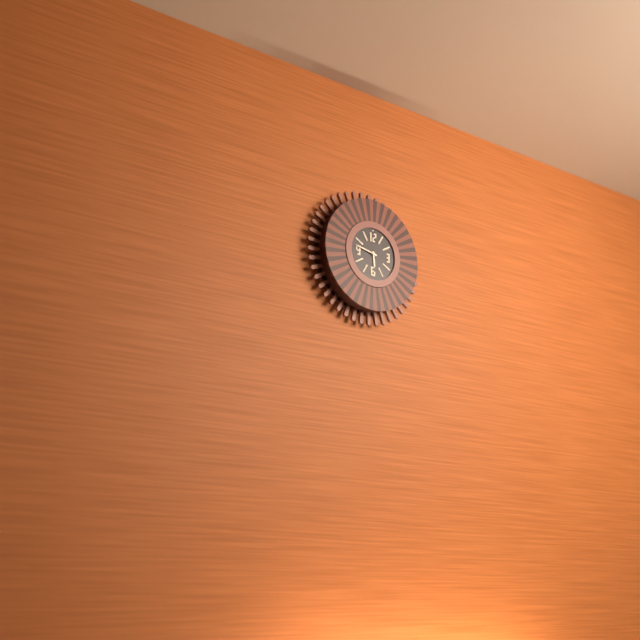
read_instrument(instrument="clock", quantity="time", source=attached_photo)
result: 5:47
